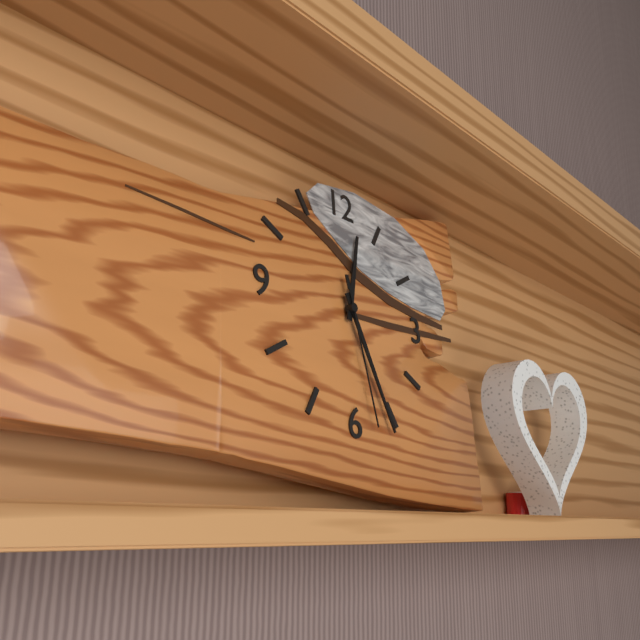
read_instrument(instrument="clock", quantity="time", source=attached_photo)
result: 12:26:28
